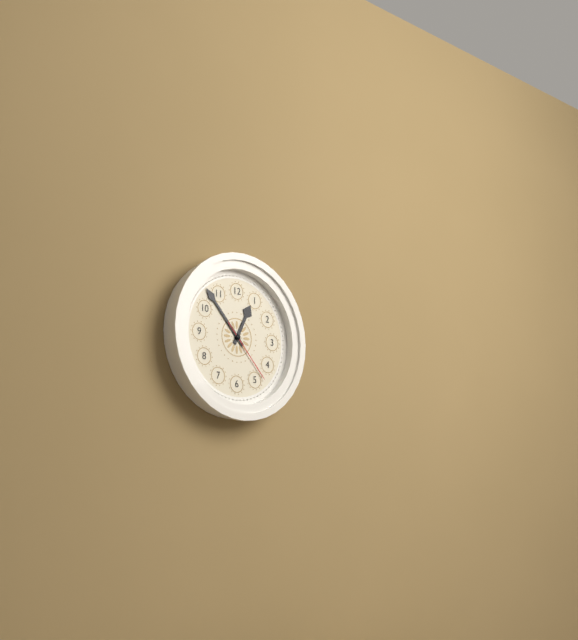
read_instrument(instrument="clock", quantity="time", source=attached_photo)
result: 12:53:23
